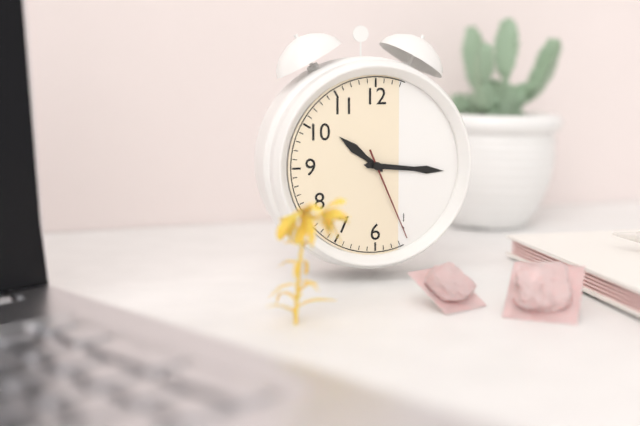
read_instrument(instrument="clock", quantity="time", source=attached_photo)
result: 10:16:26
